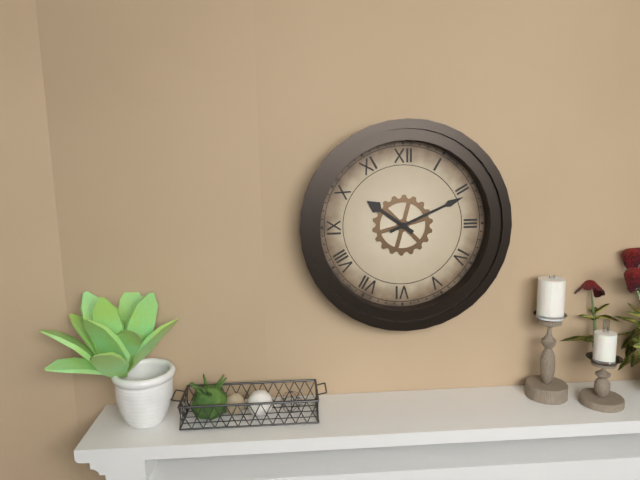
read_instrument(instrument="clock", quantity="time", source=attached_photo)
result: 10:11
